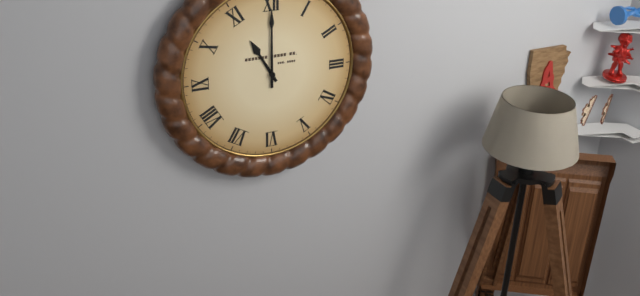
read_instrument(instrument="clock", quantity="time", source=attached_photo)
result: 11:00
